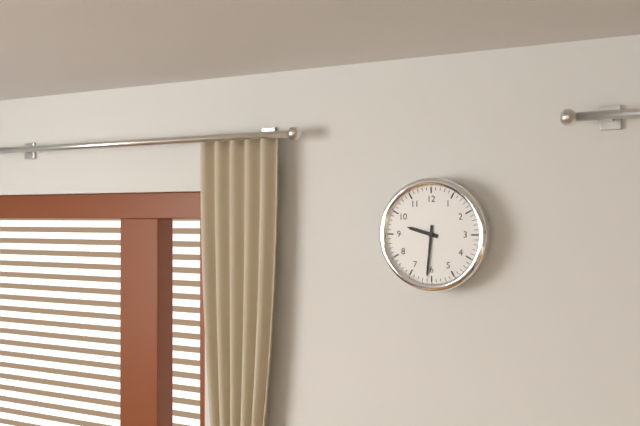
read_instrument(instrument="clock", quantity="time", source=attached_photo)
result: 9:31
